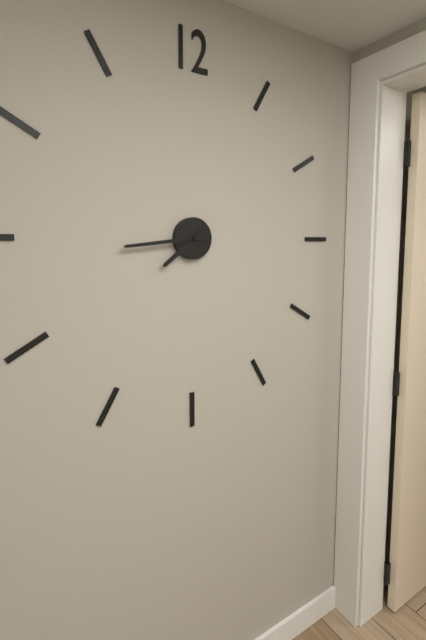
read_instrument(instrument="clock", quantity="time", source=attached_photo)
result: 7:44
